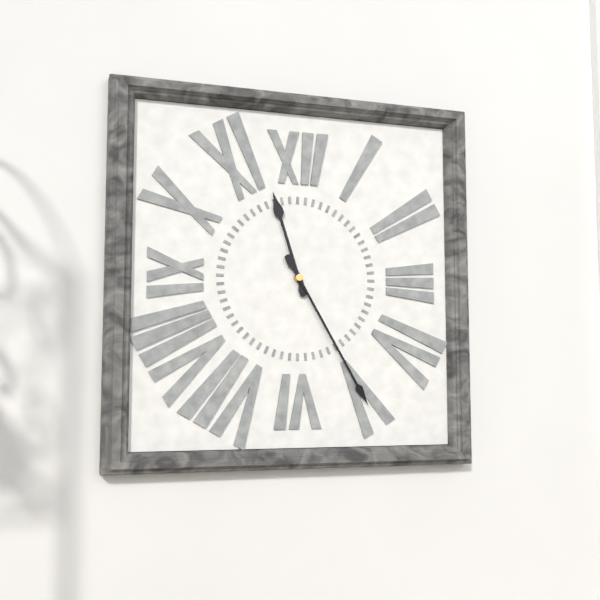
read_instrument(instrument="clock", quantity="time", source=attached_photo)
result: 11:25
